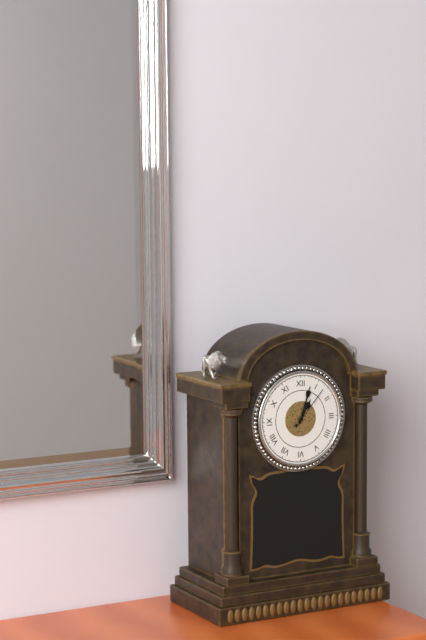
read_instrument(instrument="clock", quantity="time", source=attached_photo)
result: 1:03
